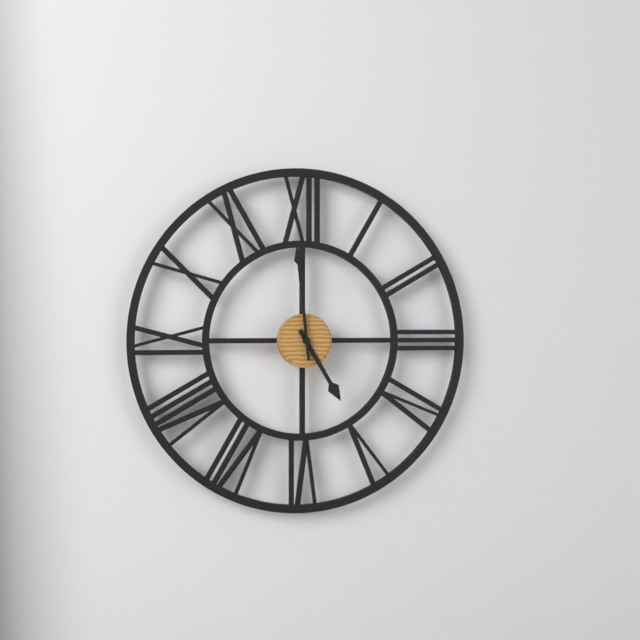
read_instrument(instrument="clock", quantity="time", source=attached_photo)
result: 4:59
